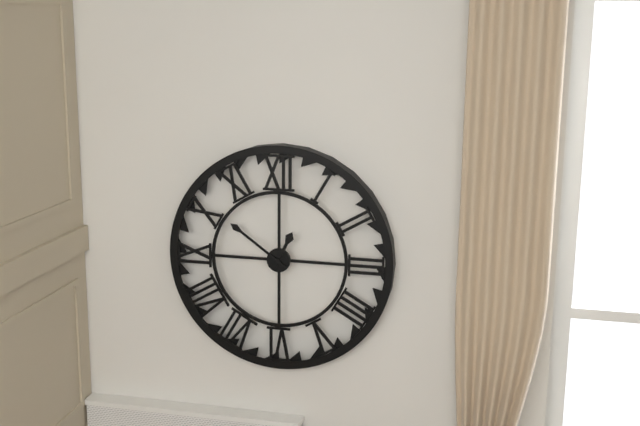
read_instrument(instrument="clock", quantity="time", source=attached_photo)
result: 12:51
